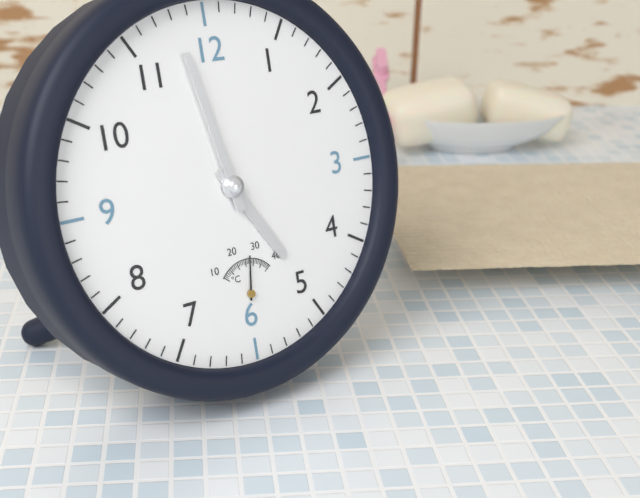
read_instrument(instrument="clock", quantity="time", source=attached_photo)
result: 4:58
